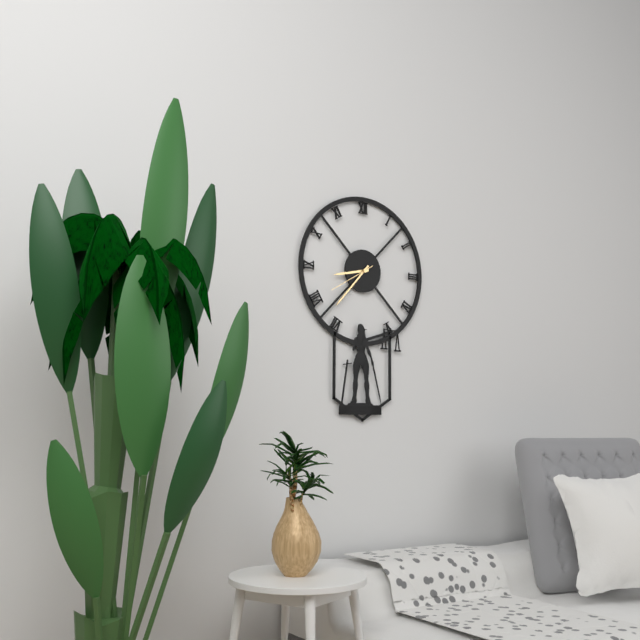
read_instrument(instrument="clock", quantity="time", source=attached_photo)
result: 8:37
